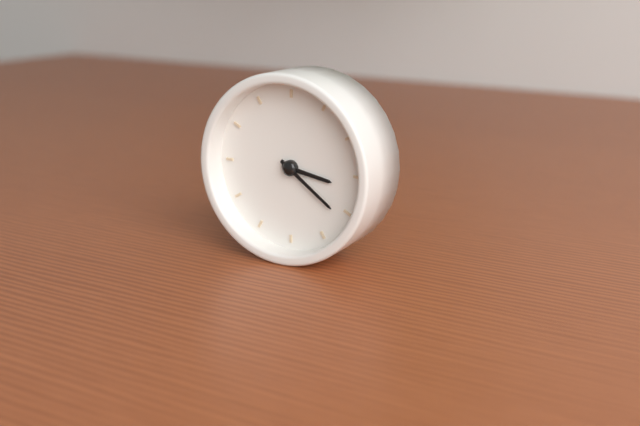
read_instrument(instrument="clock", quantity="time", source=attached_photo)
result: 3:21
